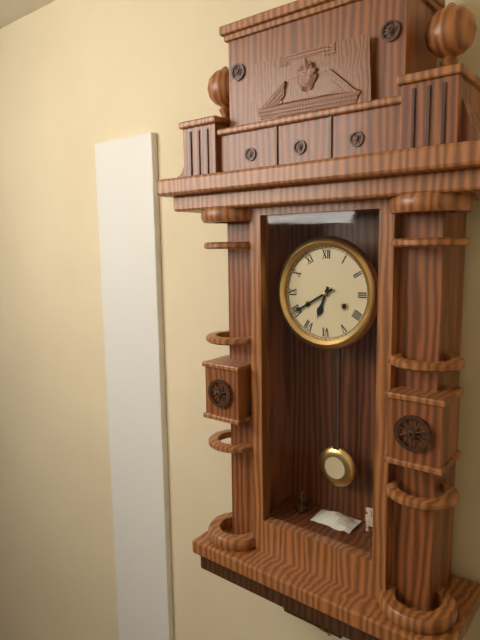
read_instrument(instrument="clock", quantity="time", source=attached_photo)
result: 6:40
